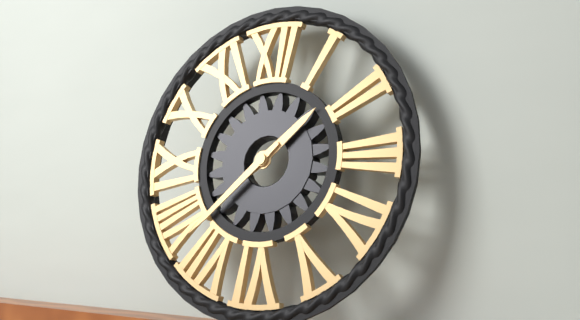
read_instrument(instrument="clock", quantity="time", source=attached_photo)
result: 1:38
